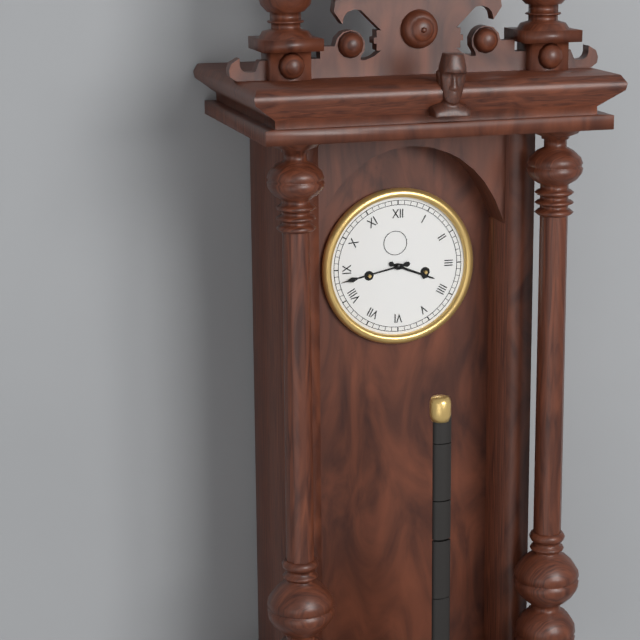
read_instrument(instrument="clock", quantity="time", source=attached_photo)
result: 3:43
